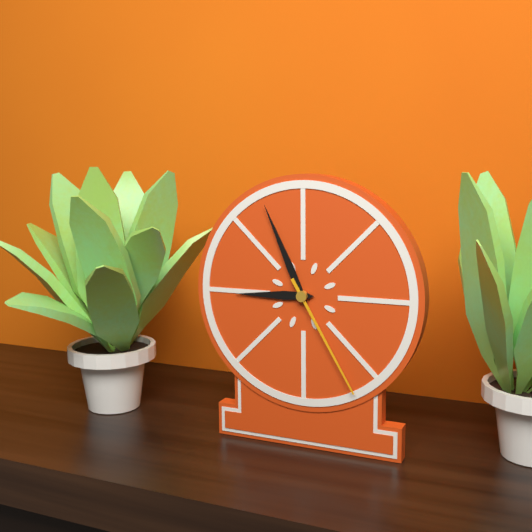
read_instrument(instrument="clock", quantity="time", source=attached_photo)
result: 8:56:25
